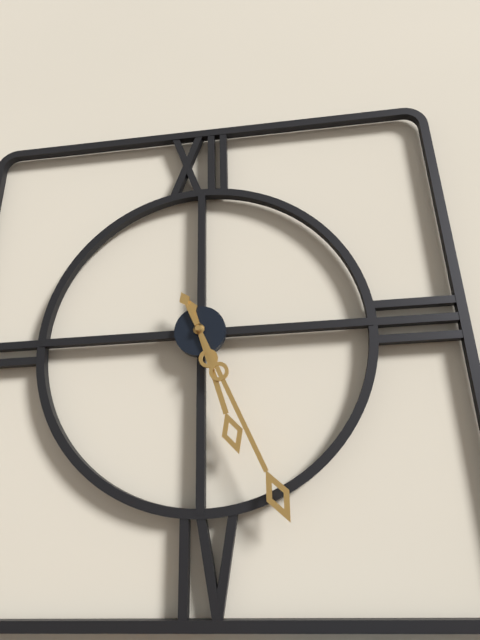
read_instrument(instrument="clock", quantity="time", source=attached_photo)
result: 5:26
